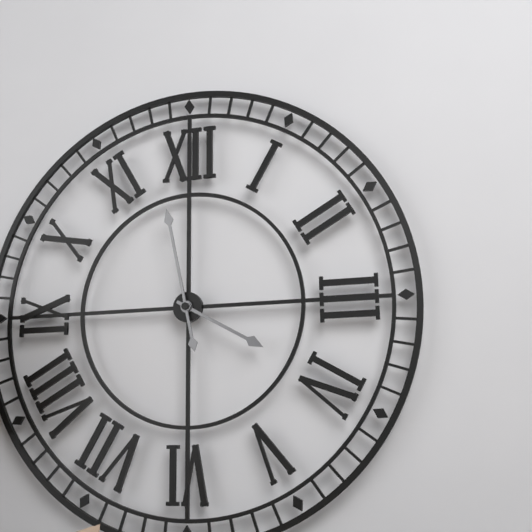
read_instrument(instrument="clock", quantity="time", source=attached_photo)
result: 3:58
